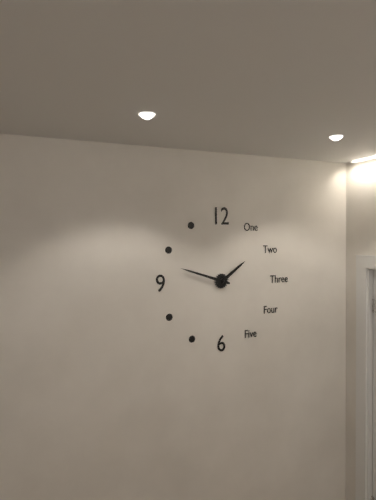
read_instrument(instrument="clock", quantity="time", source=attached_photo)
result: 1:48
